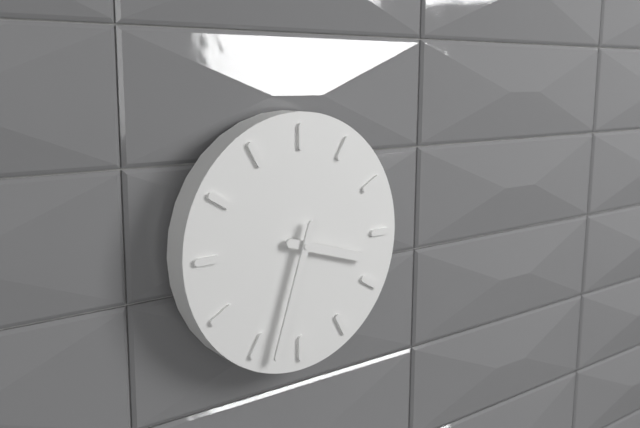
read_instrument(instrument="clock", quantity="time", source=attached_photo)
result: 3:33
